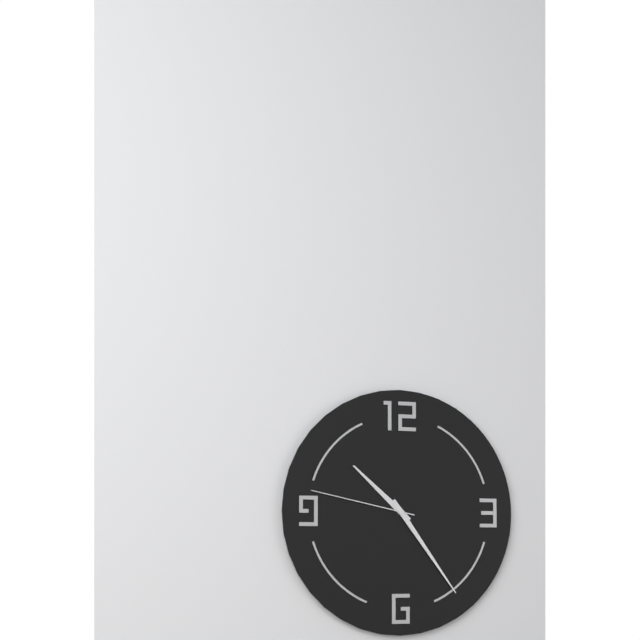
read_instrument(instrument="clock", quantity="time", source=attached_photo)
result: 10:24:47
